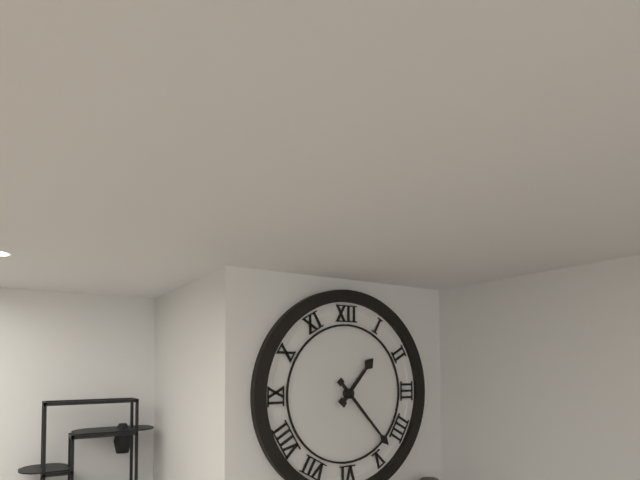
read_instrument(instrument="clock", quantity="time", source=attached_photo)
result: 1:23
